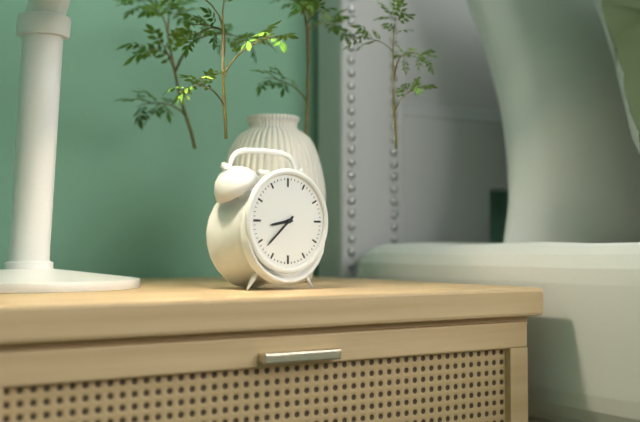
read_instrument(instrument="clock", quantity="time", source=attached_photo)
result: 8:38
